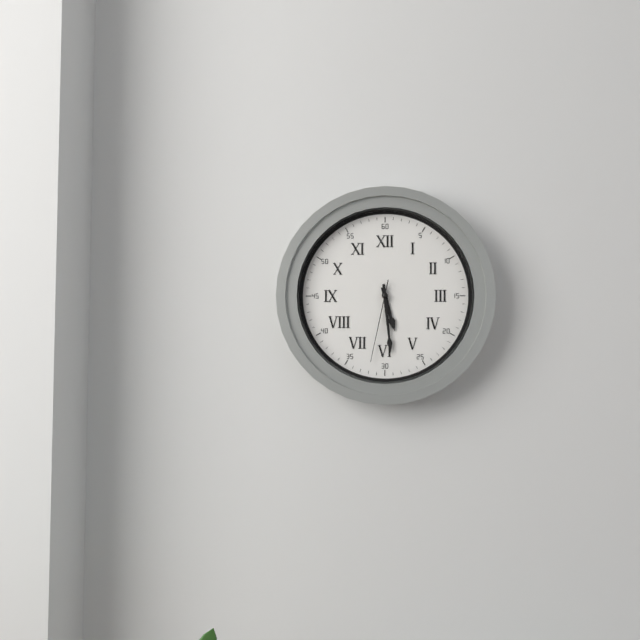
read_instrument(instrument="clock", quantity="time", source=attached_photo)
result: 5:29:32
